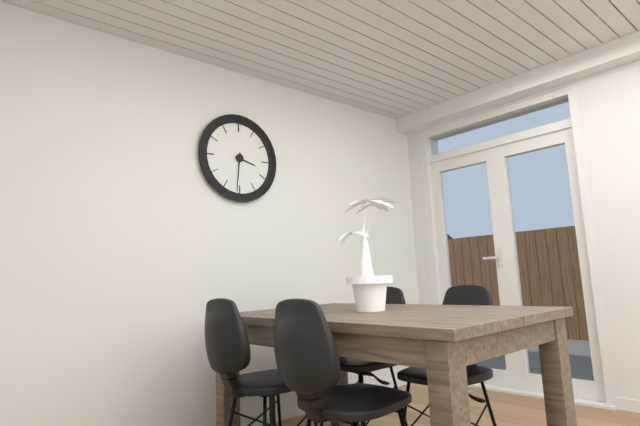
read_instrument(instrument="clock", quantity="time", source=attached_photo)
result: 3:31
